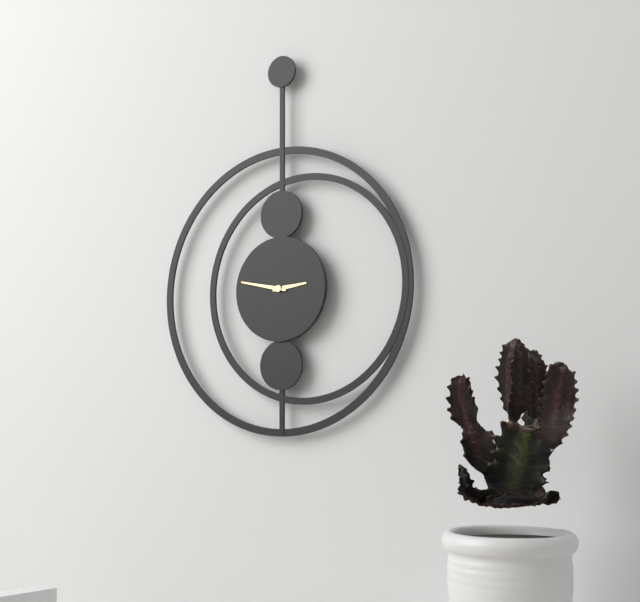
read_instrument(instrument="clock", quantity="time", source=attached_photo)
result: 2:47
